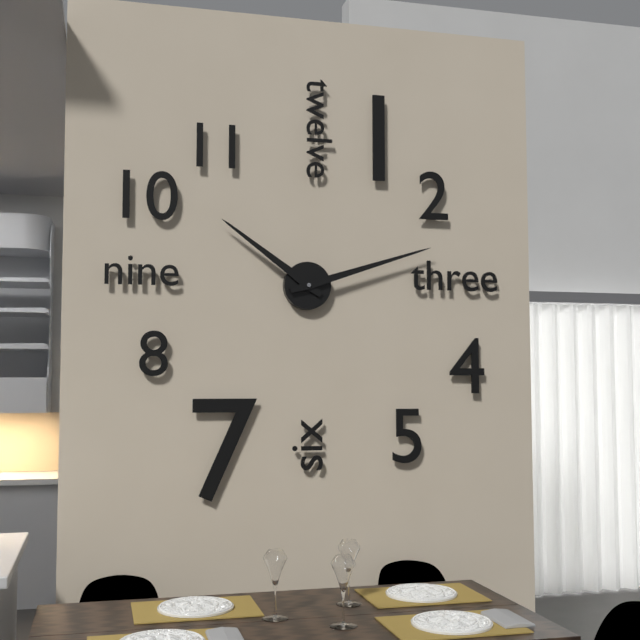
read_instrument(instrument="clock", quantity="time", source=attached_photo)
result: 10:12
